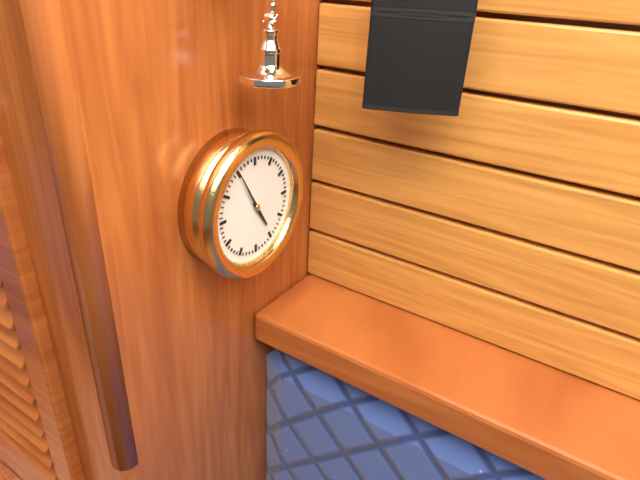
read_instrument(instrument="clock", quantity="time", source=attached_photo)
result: 4:55
